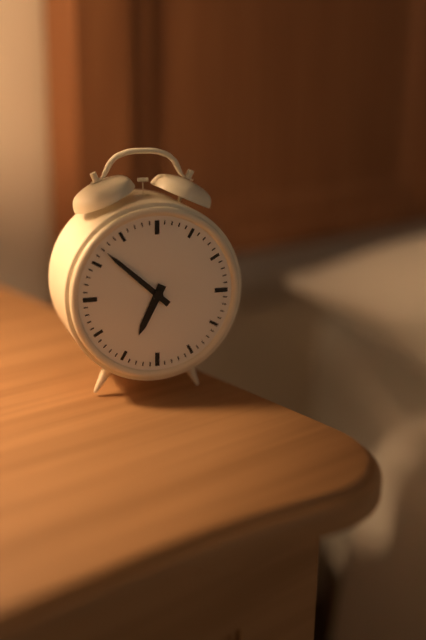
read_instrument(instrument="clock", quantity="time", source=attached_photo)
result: 6:52
